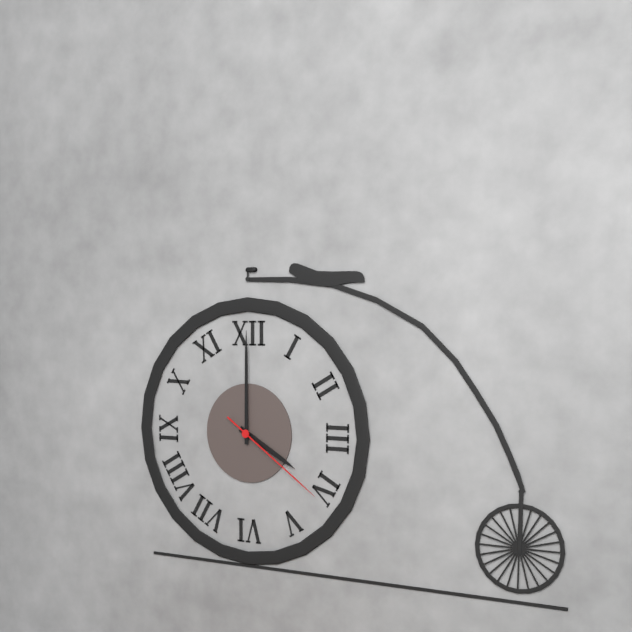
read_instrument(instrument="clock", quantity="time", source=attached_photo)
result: 4:00:21
